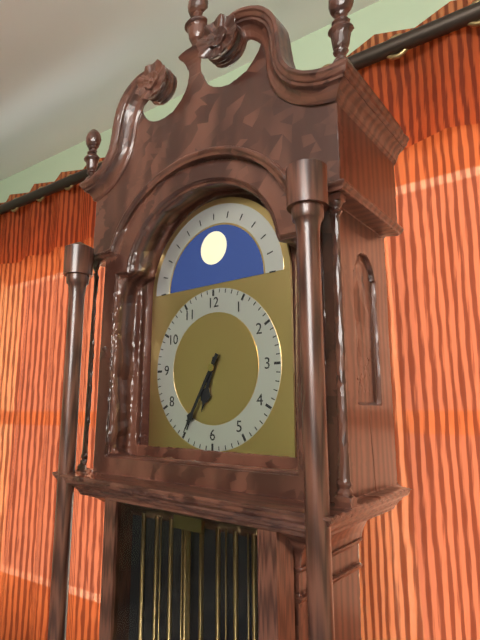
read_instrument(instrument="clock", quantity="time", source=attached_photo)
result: 6:35
